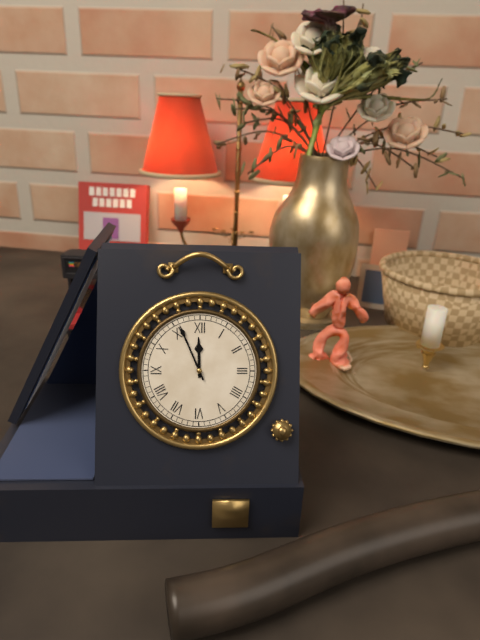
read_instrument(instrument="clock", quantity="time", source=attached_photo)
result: 11:56
